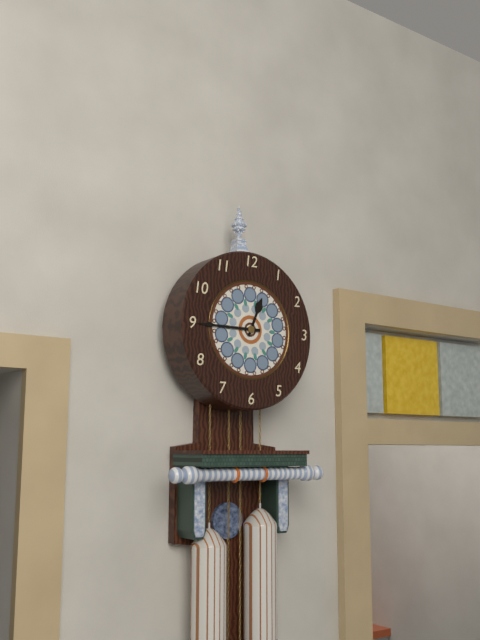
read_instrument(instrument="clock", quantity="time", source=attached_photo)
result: 12:45
